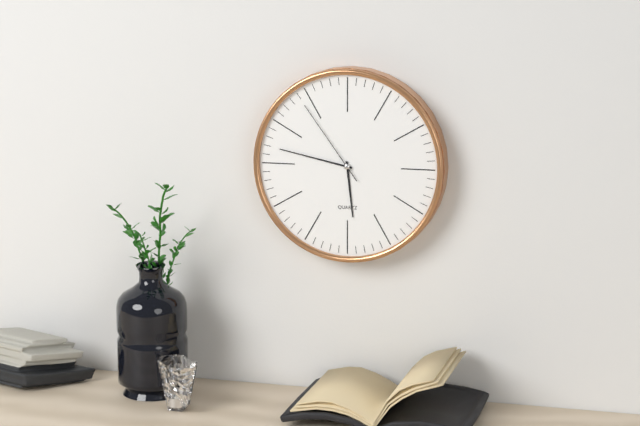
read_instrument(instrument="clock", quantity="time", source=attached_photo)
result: 5:47:54
